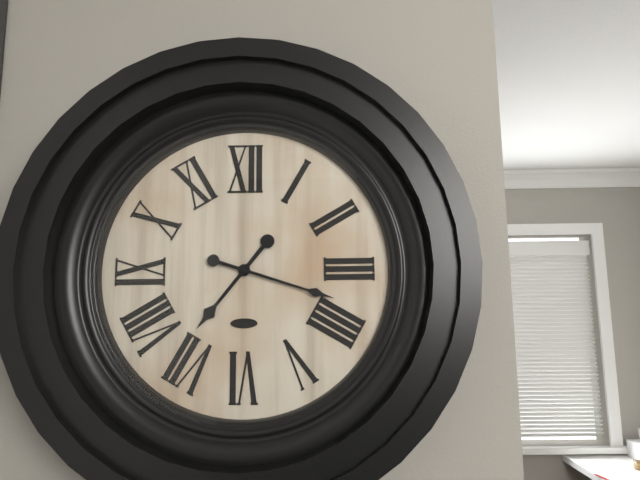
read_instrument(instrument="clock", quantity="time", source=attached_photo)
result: 7:18
